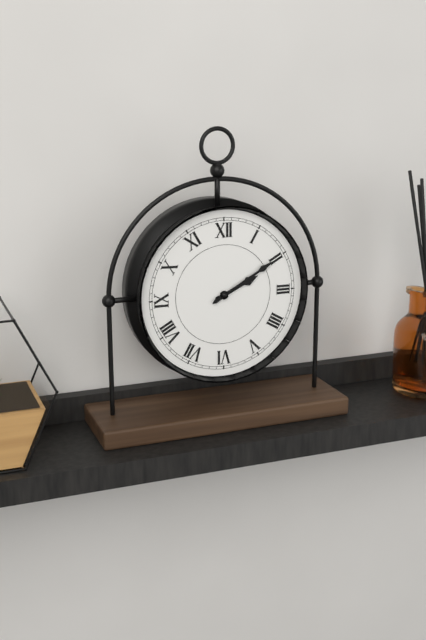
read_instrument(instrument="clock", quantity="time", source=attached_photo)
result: 2:10
